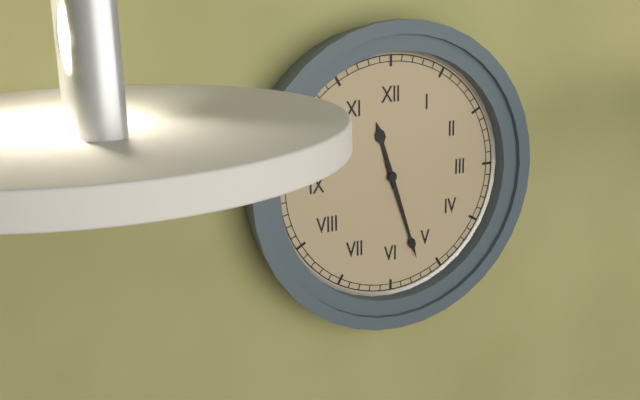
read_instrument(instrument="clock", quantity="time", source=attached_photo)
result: 11:27
